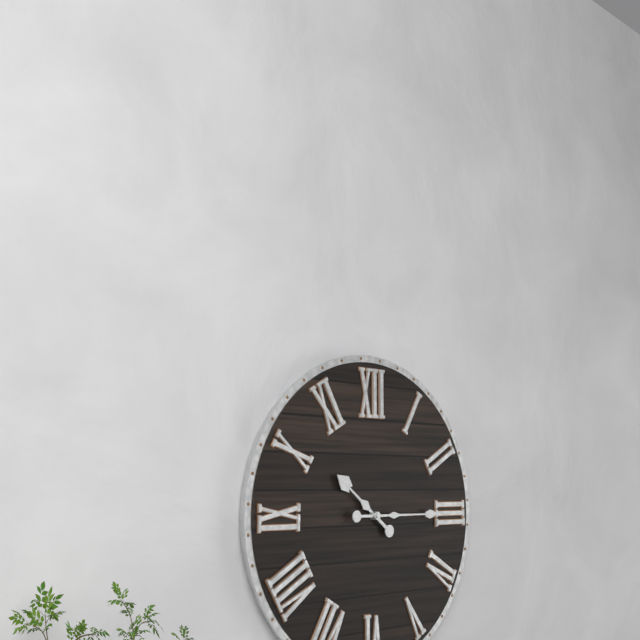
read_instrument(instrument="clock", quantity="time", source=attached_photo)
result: 10:15
